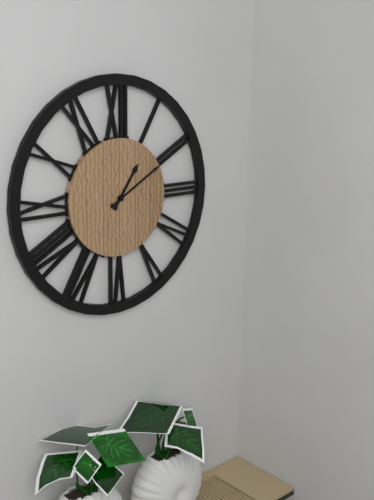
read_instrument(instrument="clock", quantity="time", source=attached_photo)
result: 1:10
